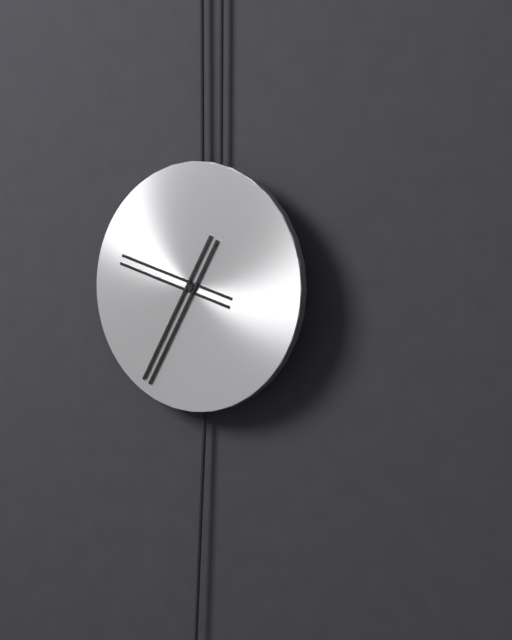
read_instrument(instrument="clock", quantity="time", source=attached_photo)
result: 9:35
